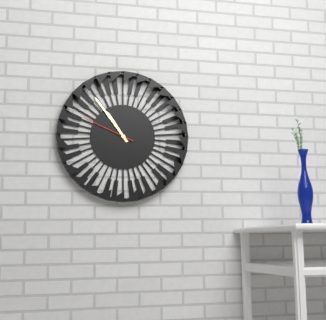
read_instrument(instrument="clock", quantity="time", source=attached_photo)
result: 10:54:49
